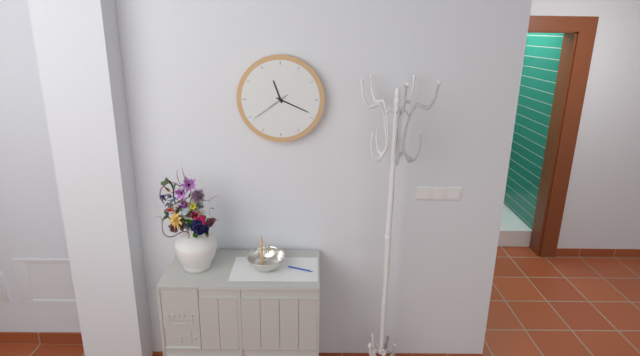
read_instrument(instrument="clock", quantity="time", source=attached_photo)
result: 11:19
